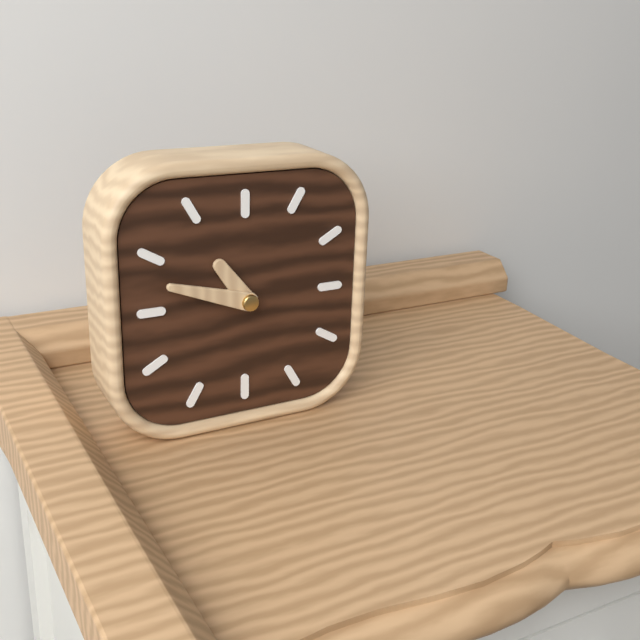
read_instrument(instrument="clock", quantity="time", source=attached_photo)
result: 10:48
